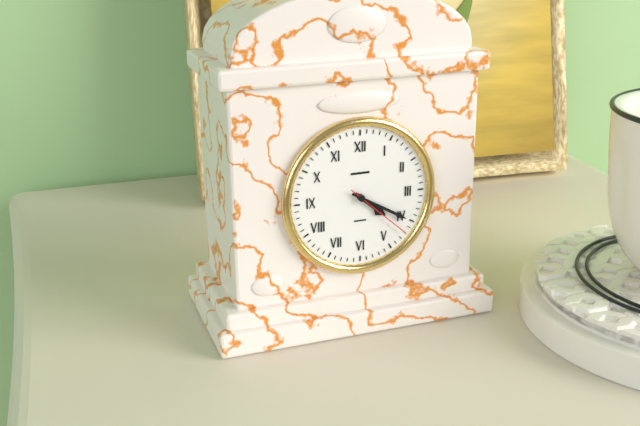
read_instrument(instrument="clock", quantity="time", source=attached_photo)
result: 4:20:22
